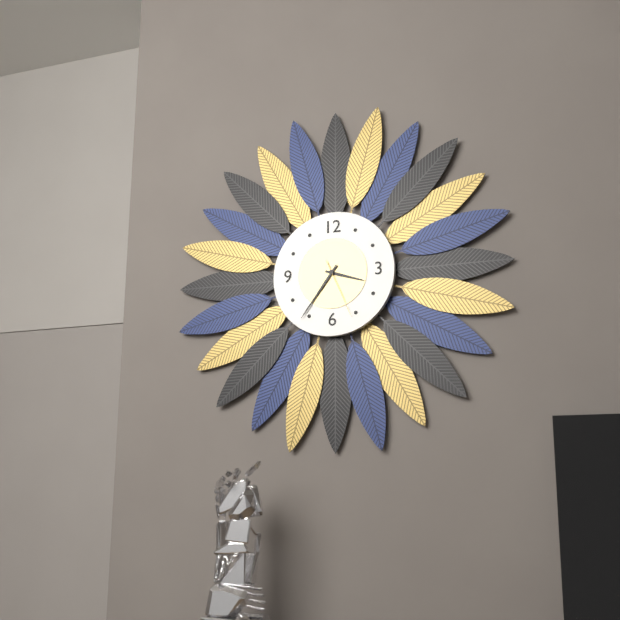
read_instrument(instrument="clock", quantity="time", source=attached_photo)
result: 3:36:26
